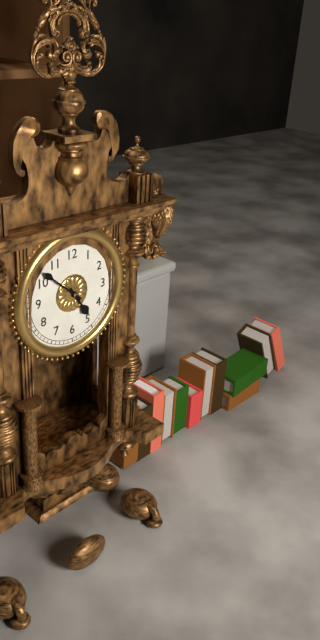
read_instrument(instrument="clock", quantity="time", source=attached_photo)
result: 4:52
